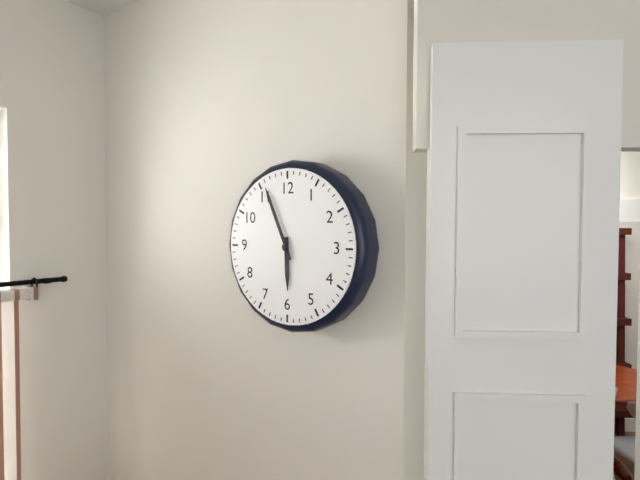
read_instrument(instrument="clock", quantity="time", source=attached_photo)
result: 5:56
